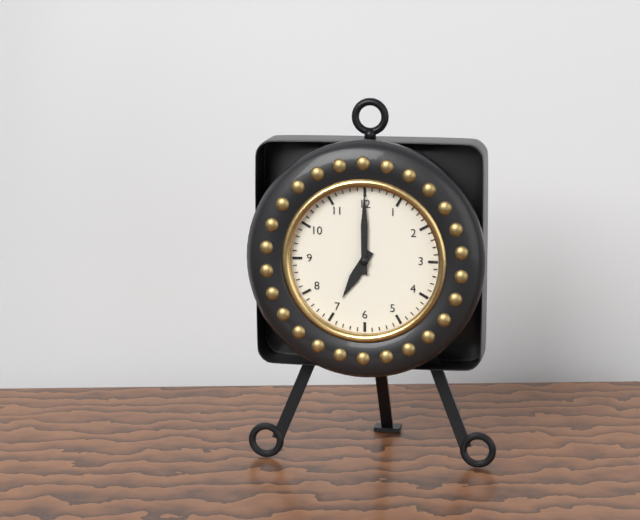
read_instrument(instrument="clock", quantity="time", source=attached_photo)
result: 7:00
